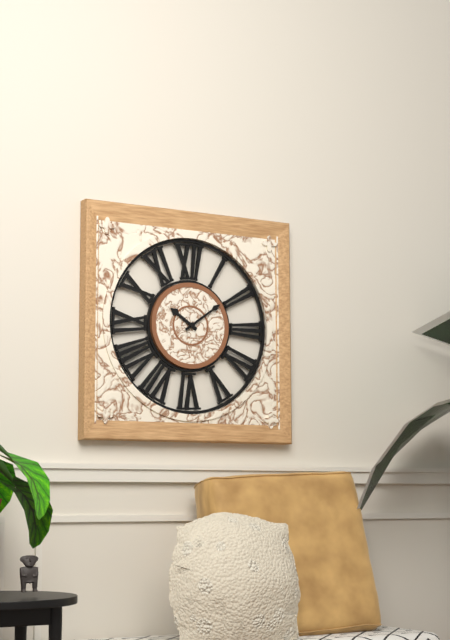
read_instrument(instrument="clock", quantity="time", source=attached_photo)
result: 10:09
